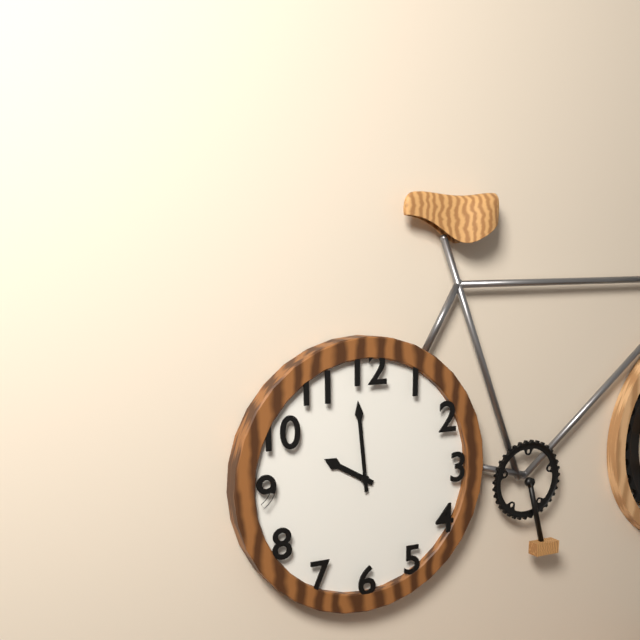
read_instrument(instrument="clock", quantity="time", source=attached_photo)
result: 9:59
